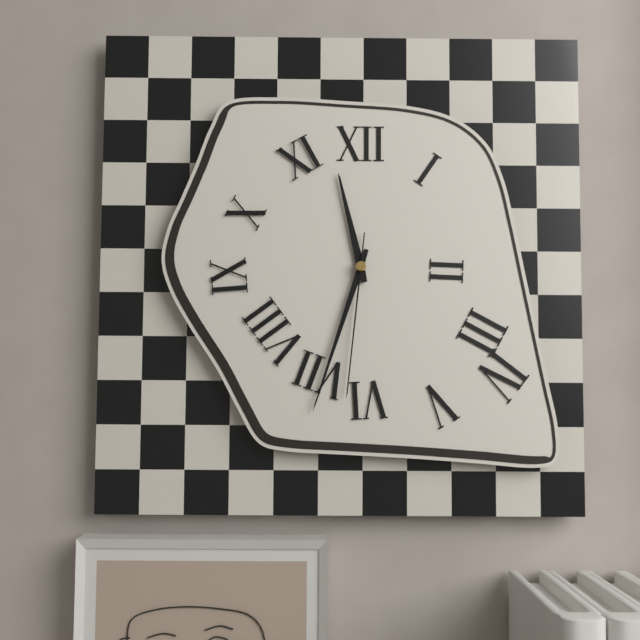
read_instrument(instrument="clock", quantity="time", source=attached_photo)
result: 11:33:31
